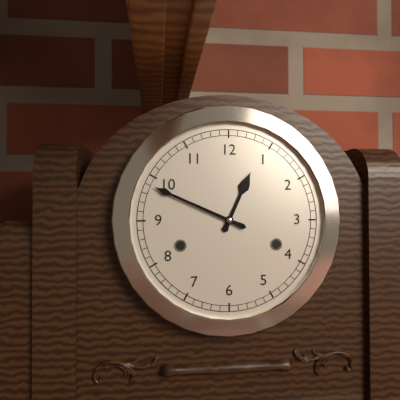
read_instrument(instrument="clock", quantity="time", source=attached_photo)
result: 12:49
